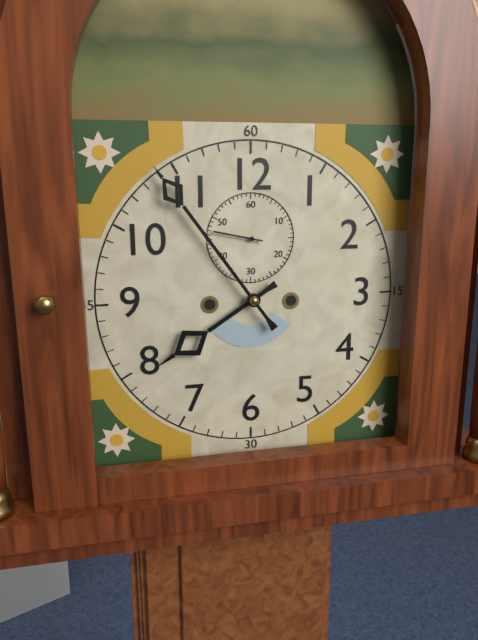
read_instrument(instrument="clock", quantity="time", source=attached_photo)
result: 7:54:47
